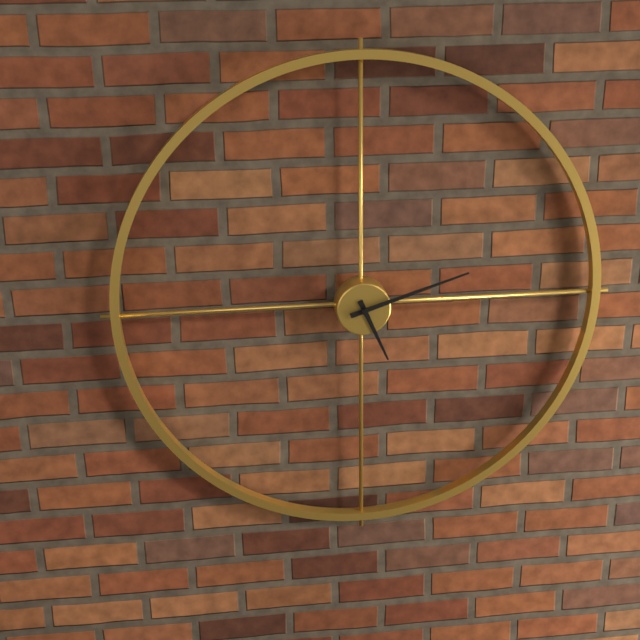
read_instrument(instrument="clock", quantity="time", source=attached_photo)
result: 5:12
